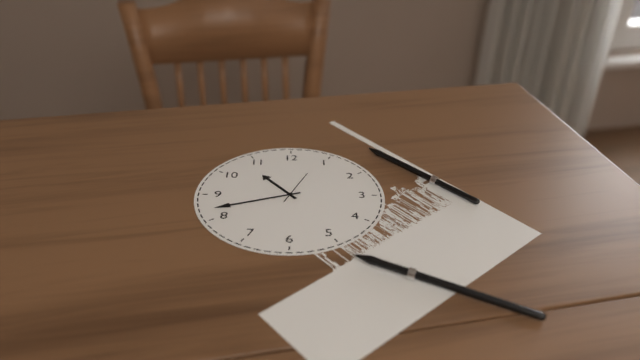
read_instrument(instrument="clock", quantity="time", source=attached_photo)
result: 10:42
